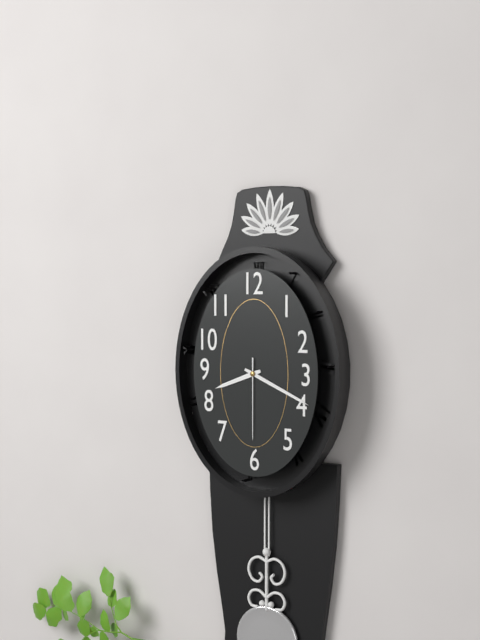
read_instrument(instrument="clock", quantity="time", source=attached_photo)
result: 8:19:30
